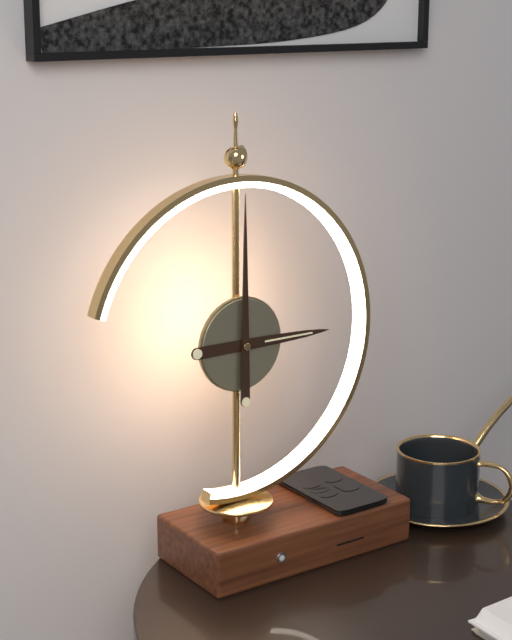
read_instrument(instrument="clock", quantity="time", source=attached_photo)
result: 3:00
